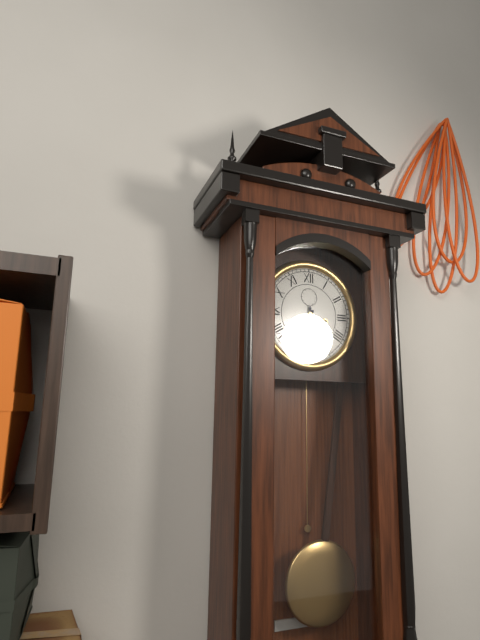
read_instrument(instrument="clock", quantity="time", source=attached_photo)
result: 7:30
